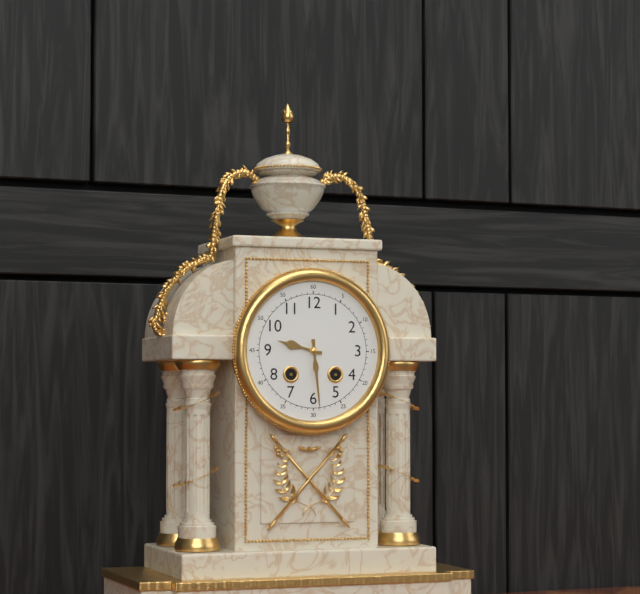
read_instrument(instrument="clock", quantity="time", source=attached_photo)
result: 9:29
